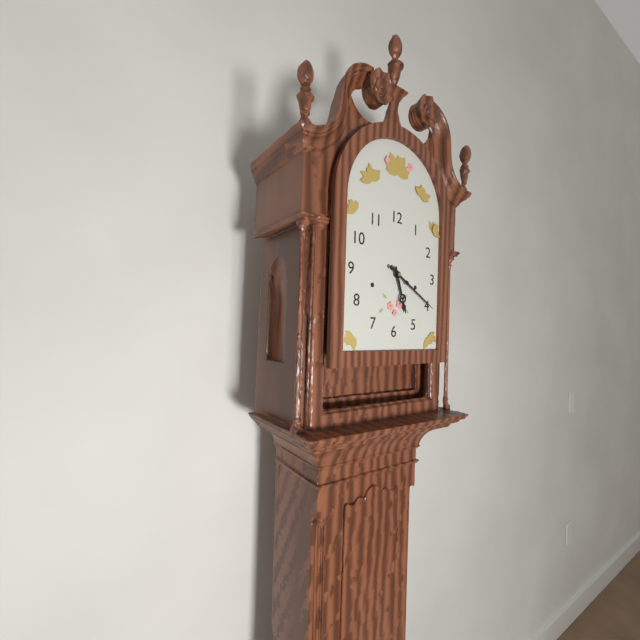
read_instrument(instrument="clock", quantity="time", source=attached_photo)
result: 5:20
